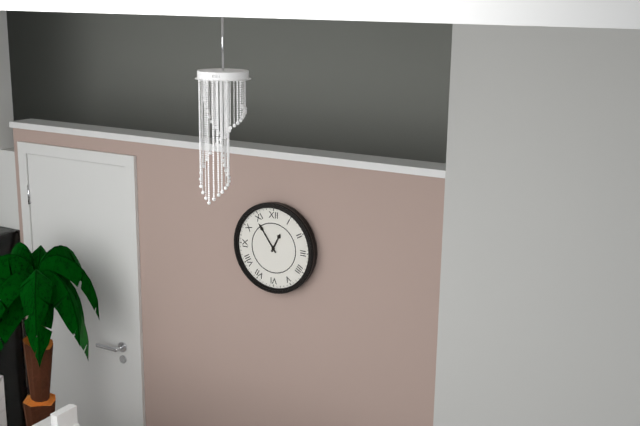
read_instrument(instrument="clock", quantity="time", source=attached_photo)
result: 12:54
